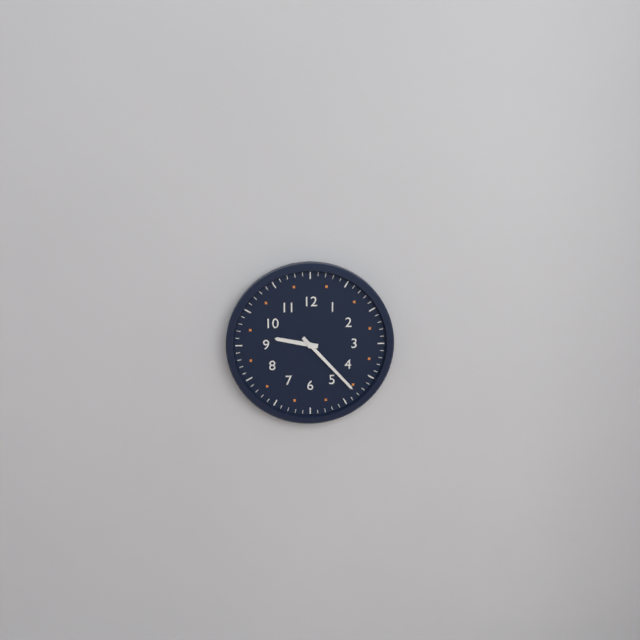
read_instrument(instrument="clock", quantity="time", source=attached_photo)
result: 9:23
